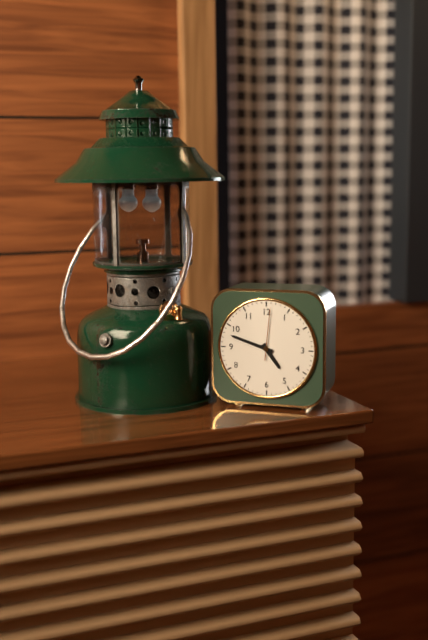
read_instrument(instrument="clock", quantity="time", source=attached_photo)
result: 4:48
